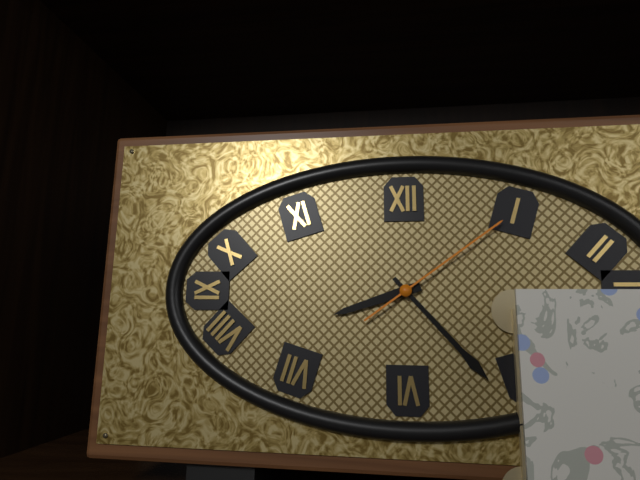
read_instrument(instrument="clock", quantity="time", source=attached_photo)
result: 8:23:09
